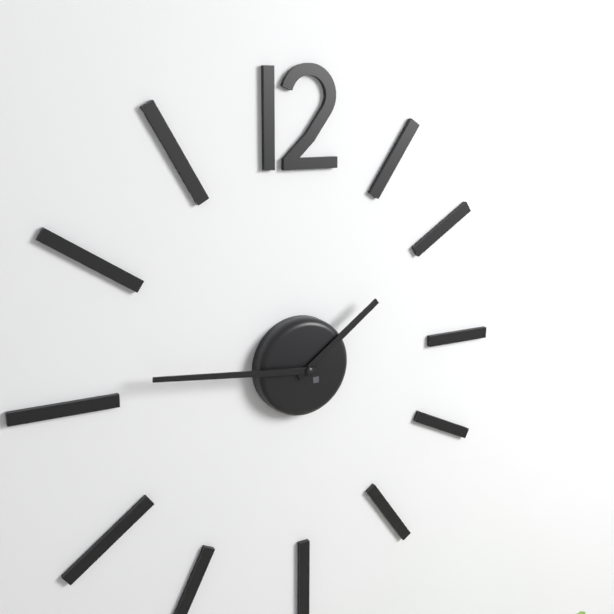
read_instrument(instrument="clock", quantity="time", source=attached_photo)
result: 1:46
